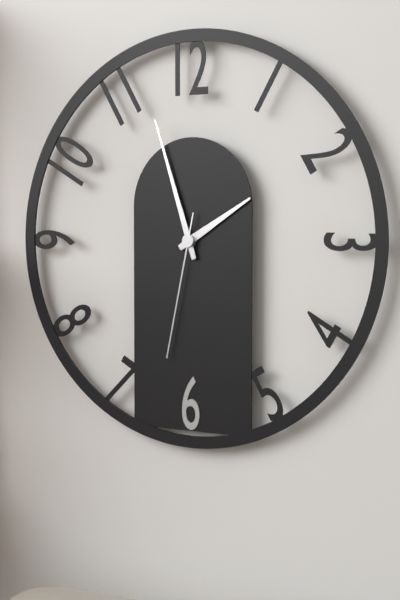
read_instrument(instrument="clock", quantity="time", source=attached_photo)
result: 1:57:32
